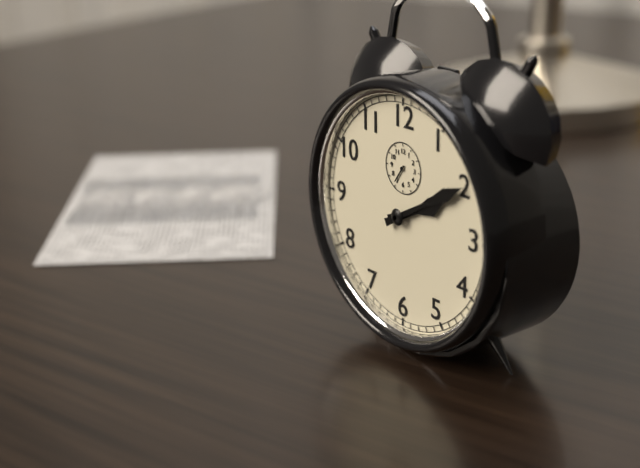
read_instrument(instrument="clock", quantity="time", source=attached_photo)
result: 2:10
